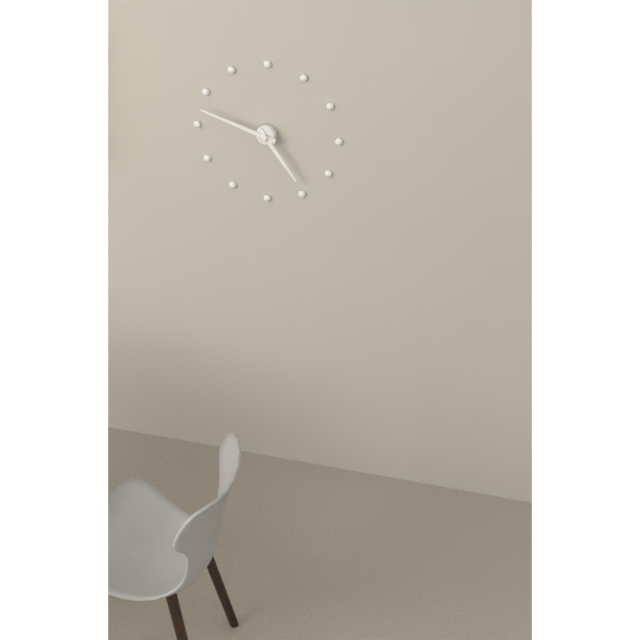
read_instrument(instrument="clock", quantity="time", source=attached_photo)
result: 4:48
